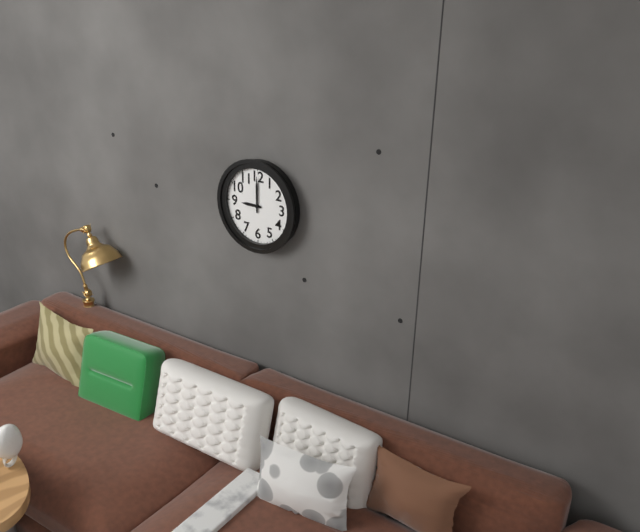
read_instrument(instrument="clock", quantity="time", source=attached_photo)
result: 9:00
